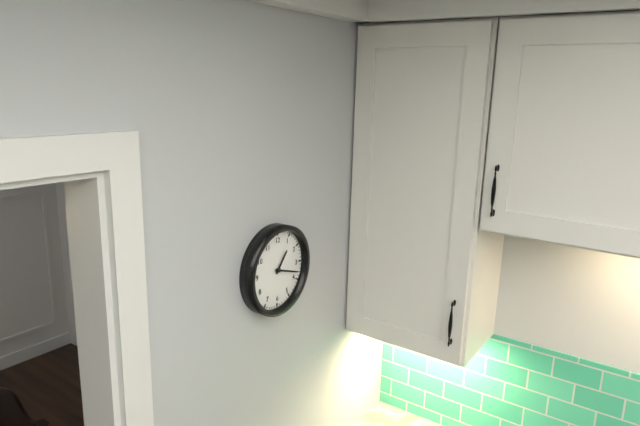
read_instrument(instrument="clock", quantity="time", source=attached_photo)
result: 1:18
